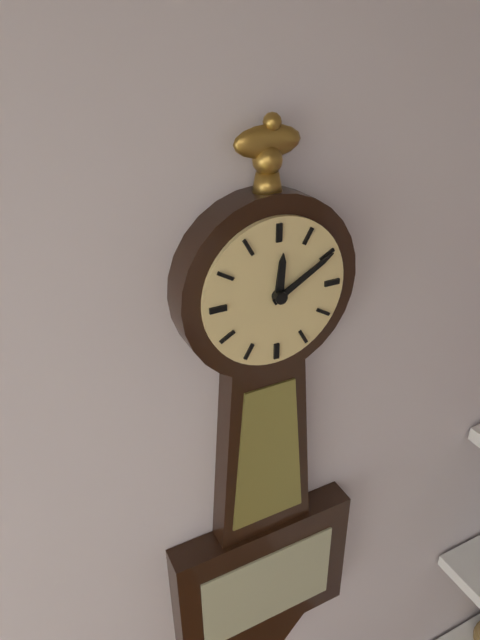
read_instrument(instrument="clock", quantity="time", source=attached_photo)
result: 12:10
